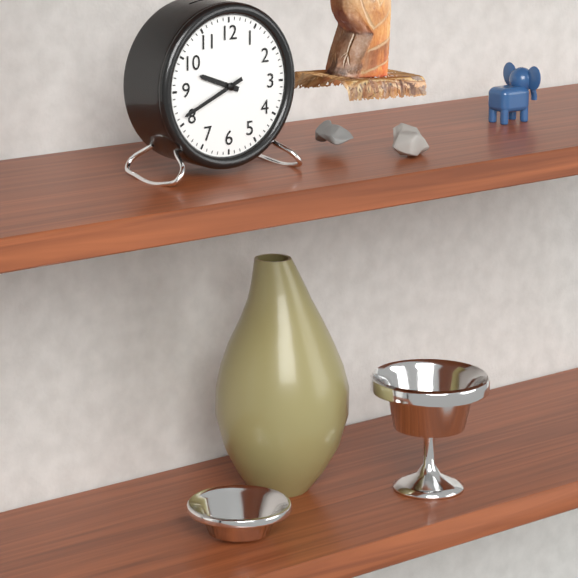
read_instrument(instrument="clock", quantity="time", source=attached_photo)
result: 9:41
